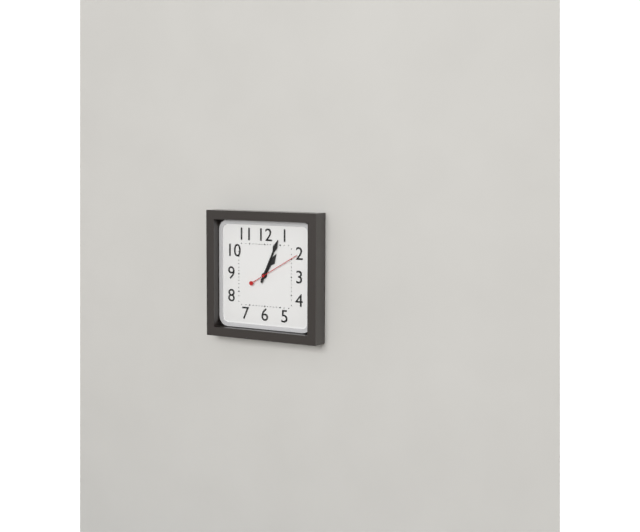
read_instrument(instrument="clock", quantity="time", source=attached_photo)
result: 1:04
